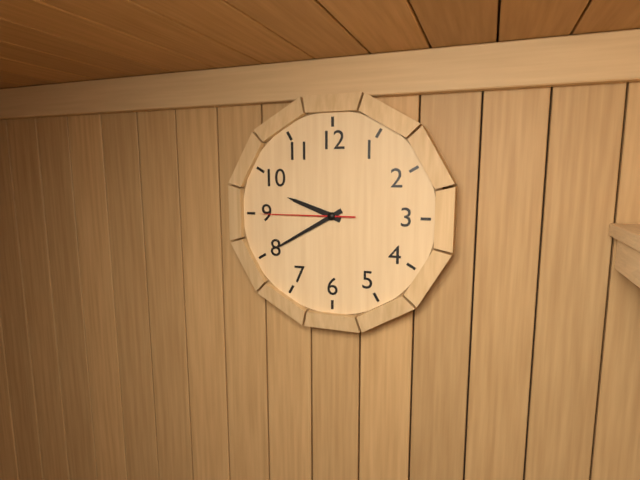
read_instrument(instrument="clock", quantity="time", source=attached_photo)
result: 9:40:45
